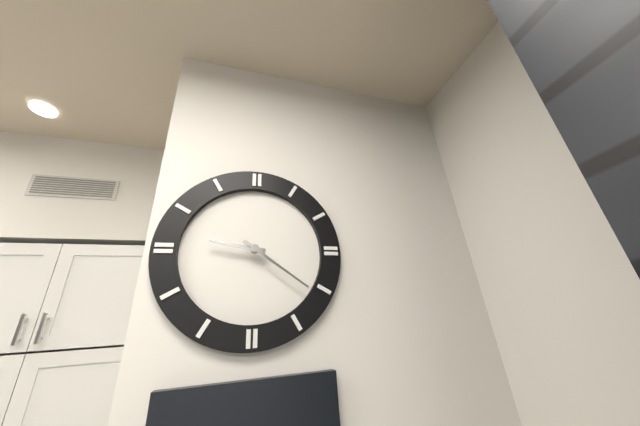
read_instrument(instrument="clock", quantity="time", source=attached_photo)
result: 9:21
